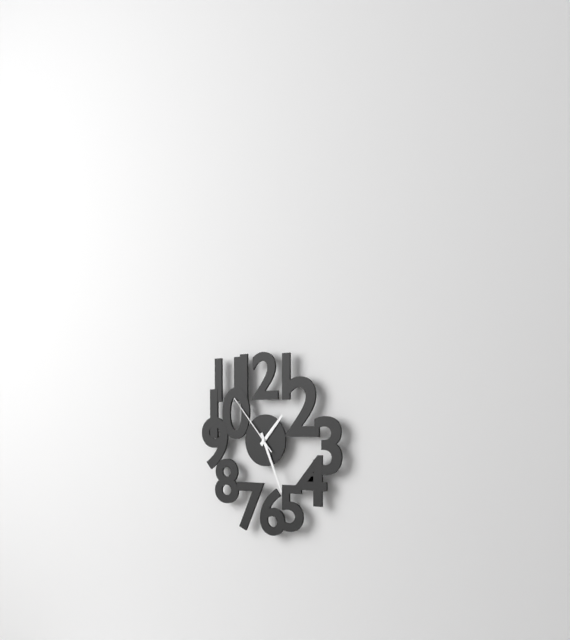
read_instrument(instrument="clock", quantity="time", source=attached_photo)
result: 1:26:53
